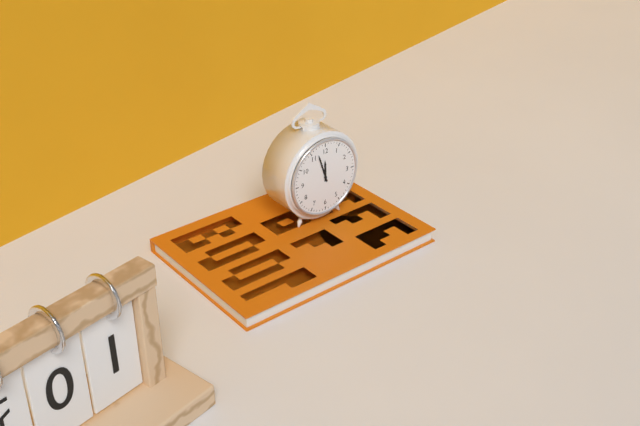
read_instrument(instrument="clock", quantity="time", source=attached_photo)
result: 11:57
